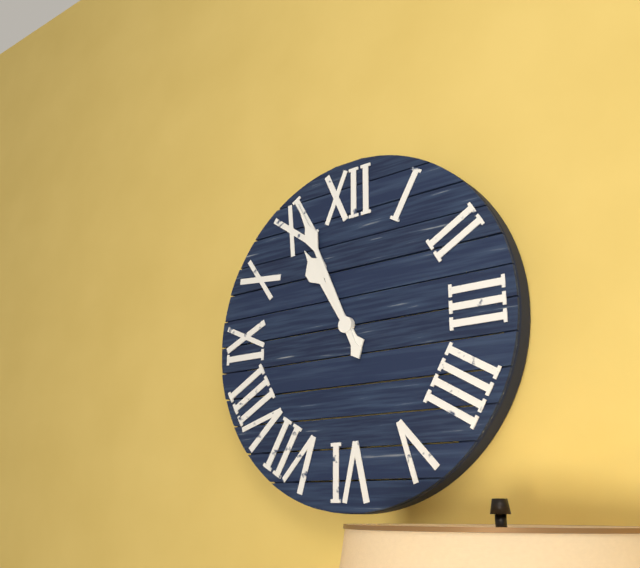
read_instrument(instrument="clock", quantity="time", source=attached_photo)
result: 10:56
